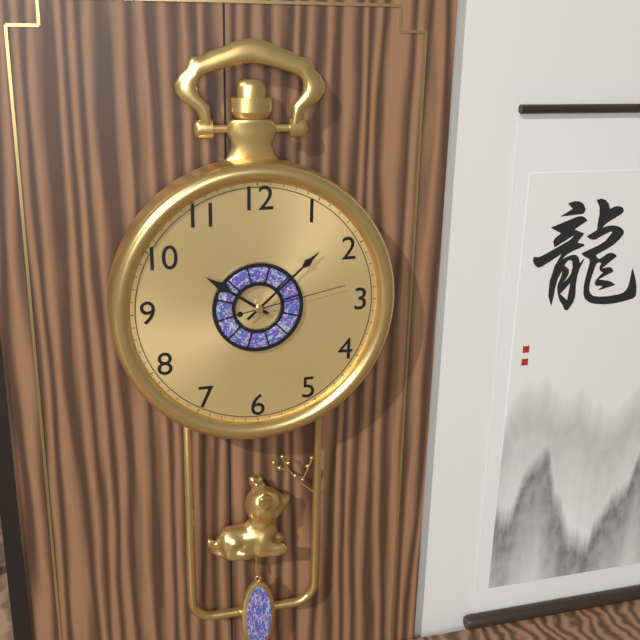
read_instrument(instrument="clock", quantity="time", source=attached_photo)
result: 10:08:13
